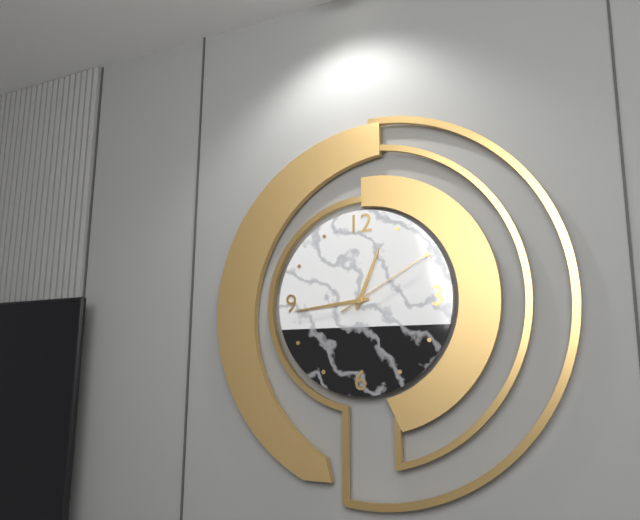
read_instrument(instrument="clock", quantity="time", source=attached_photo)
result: 12:44:10
